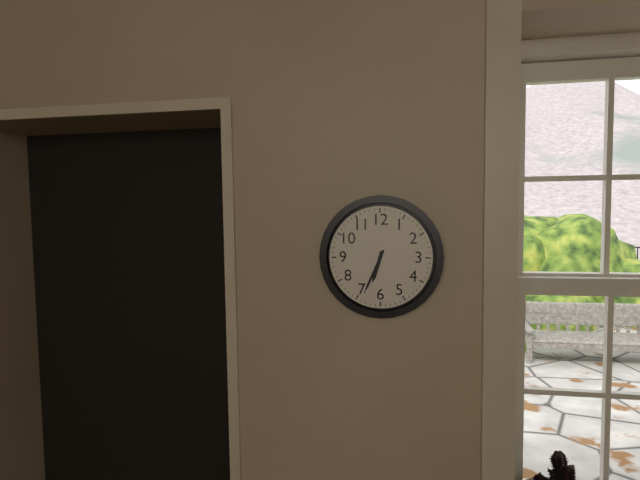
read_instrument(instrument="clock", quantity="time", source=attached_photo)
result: 6:34
